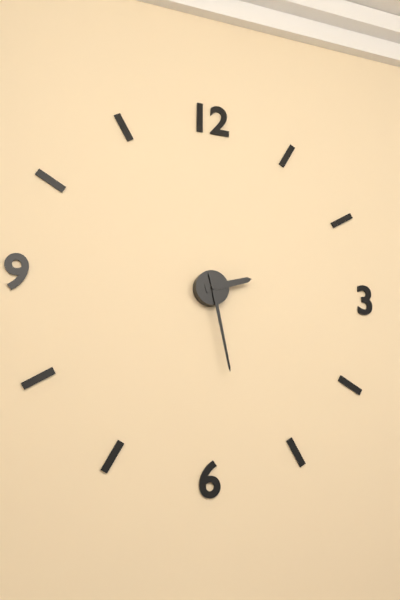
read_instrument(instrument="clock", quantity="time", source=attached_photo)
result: 2:28
